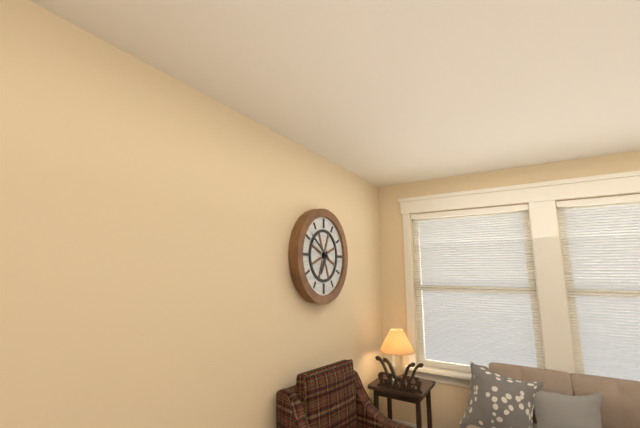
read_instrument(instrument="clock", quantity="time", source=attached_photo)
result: 6:51
